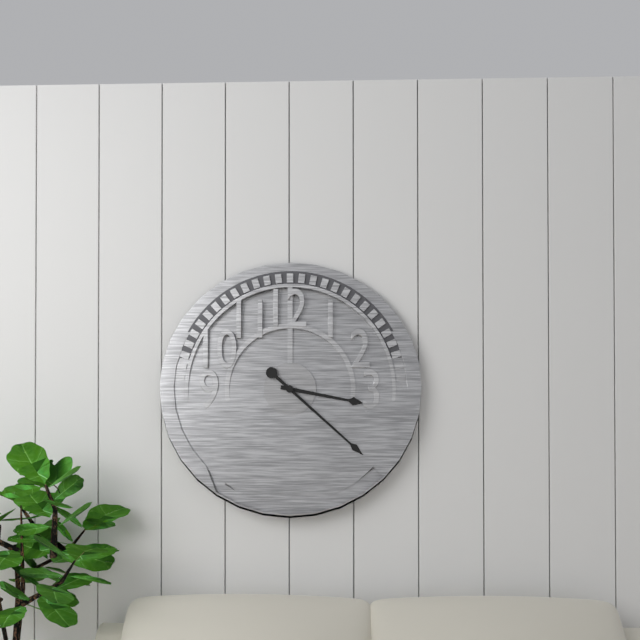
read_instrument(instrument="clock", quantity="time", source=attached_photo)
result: 3:22
